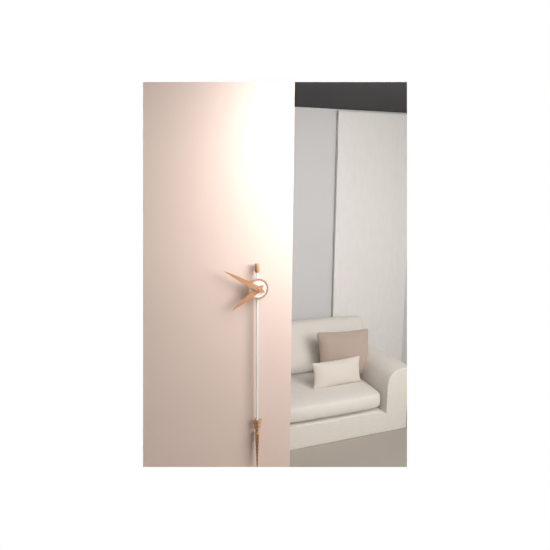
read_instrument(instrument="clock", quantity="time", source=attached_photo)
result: 7:50
